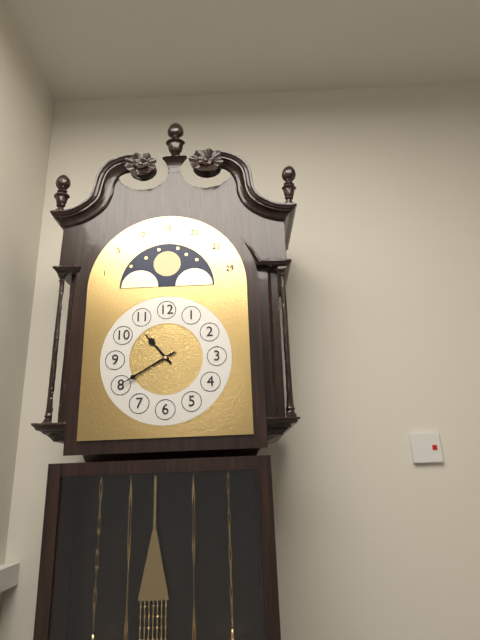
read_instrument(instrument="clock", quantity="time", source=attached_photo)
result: 10:40
